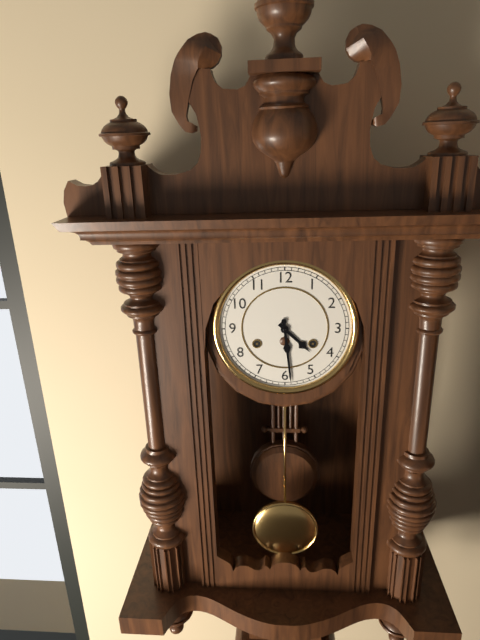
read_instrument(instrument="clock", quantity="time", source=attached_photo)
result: 4:29
